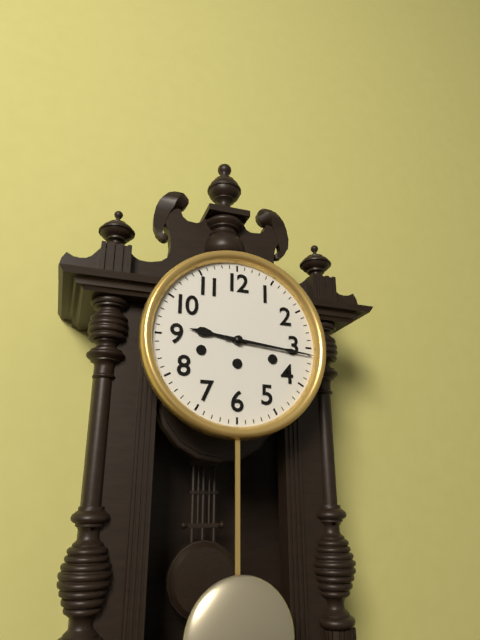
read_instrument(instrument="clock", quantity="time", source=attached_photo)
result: 9:16
